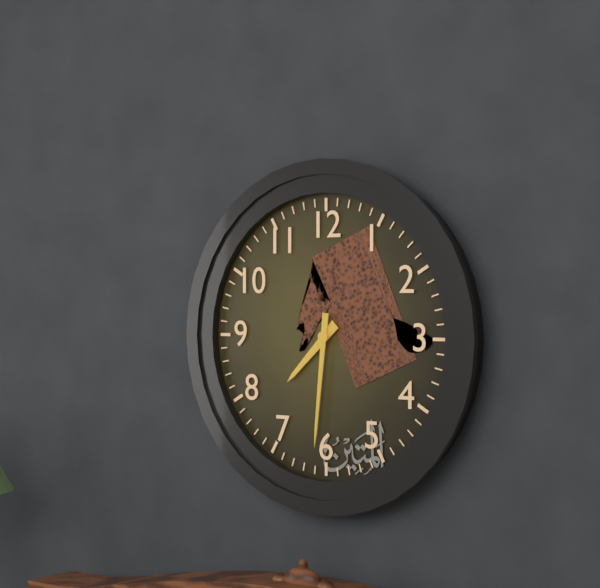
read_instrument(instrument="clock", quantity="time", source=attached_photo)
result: 7:31
